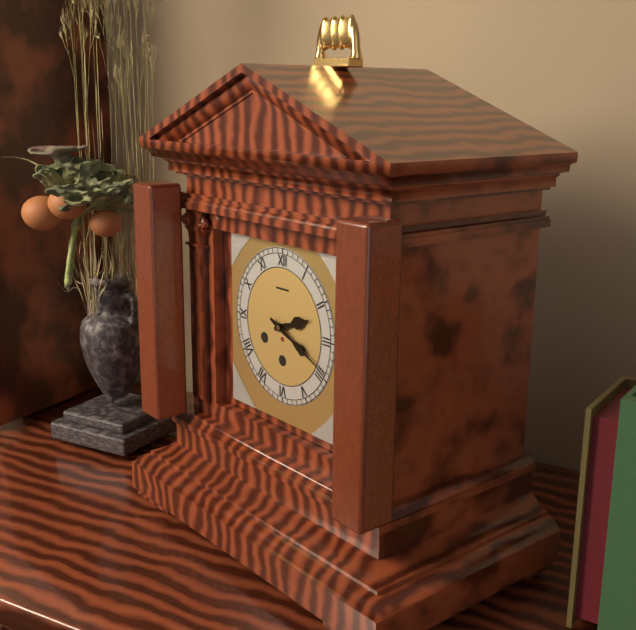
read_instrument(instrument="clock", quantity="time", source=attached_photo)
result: 2:19
